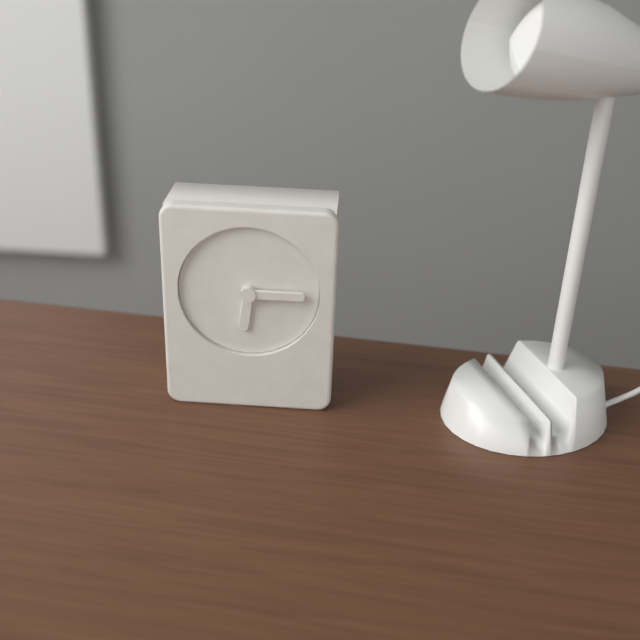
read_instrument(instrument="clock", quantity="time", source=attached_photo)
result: 6:15
